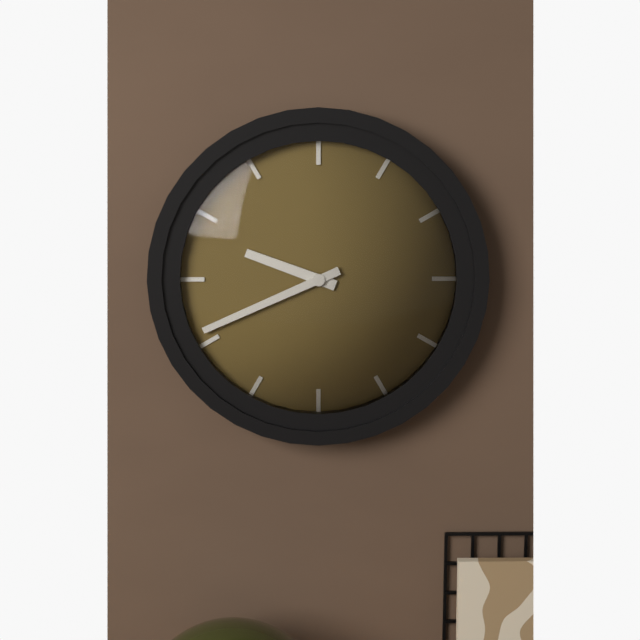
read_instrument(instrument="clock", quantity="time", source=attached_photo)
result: 9:41
